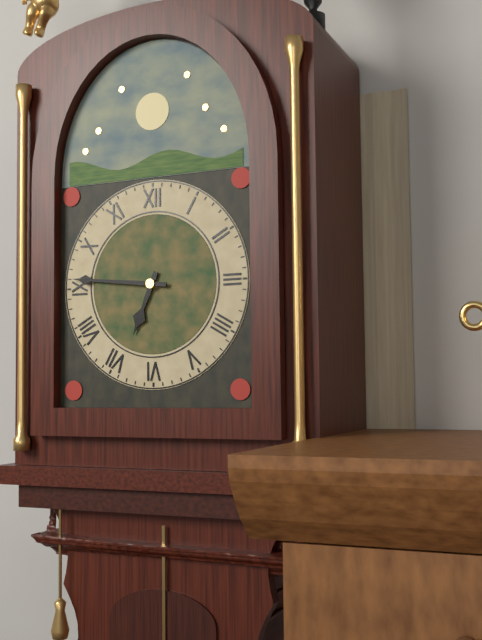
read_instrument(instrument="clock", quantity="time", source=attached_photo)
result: 6:46
